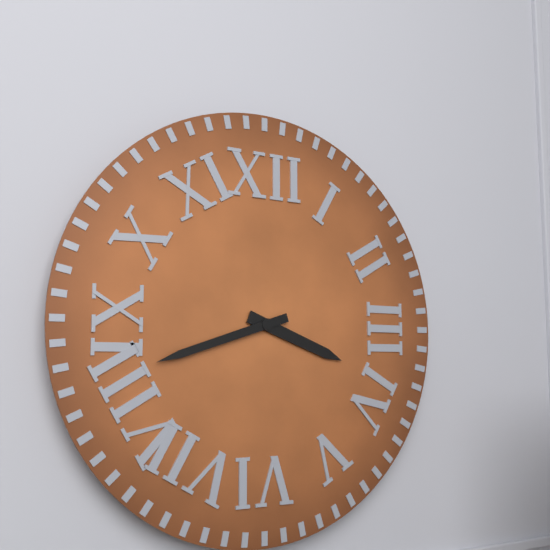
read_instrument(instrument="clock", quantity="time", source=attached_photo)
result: 3:42
